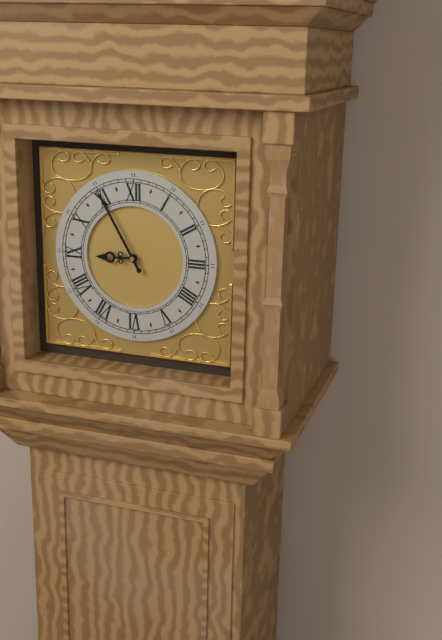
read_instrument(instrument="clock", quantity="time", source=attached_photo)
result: 8:55
